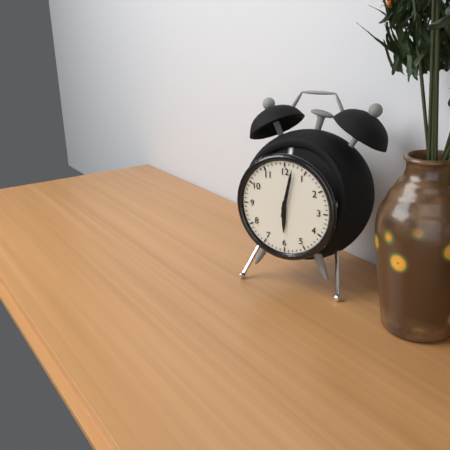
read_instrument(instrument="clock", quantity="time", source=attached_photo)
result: 6:02
